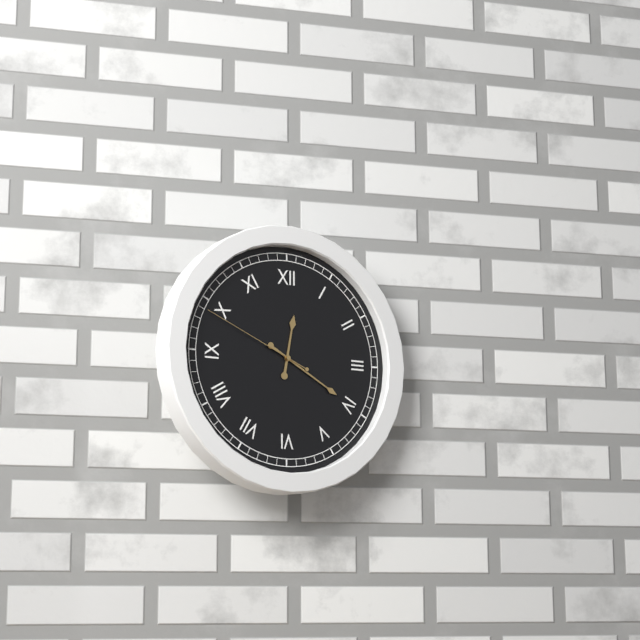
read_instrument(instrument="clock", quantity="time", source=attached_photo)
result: 12:20:49
